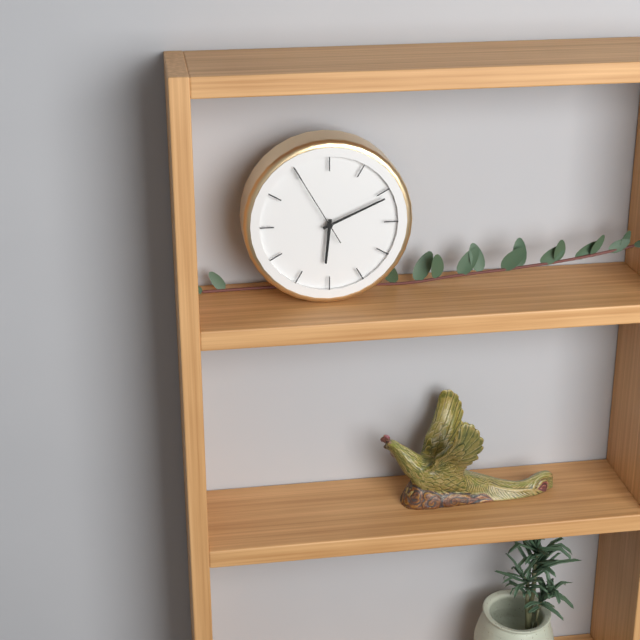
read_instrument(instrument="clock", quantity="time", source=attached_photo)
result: 6:11:55
